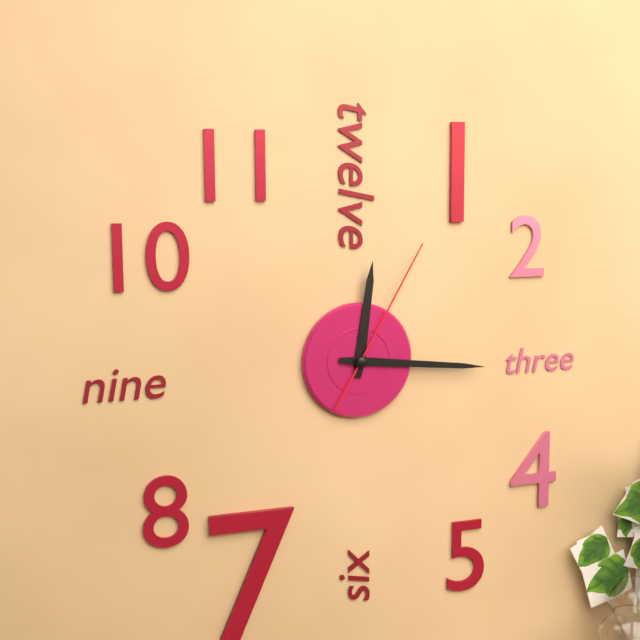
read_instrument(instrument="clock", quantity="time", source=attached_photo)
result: 12:16:05
